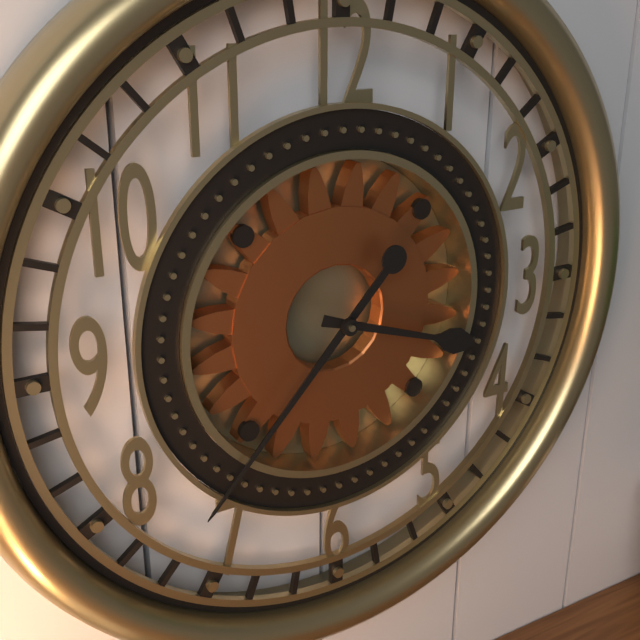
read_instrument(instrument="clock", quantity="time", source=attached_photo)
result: 3:37
